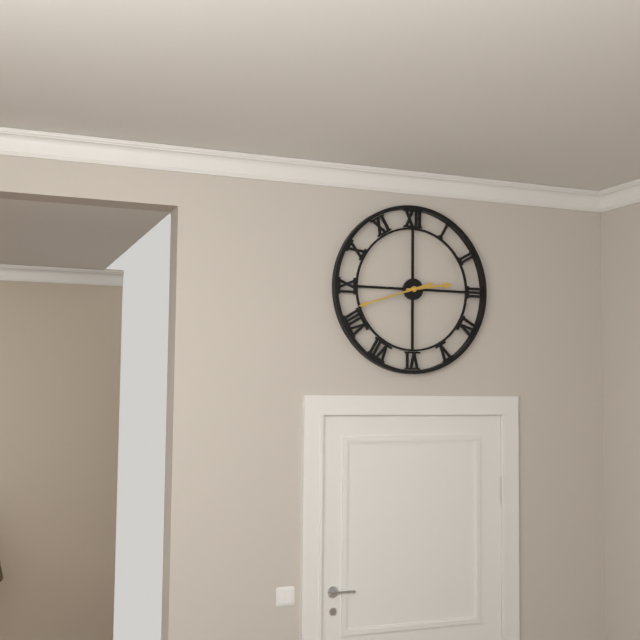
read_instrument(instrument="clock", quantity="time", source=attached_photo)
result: 2:42
